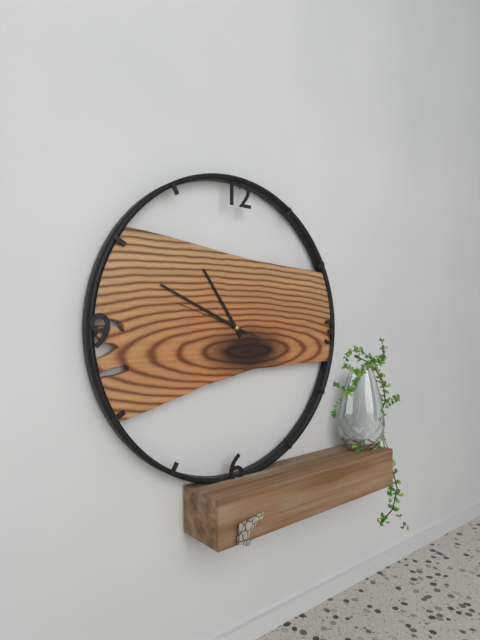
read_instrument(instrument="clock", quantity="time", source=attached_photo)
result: 10:49:48
